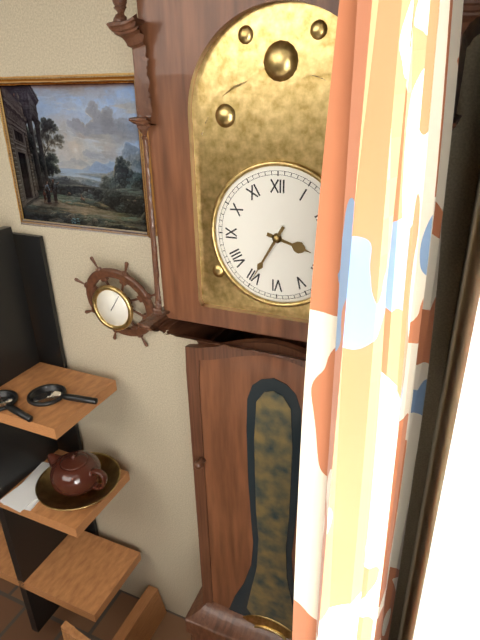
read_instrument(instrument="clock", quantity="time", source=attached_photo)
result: 3:35
